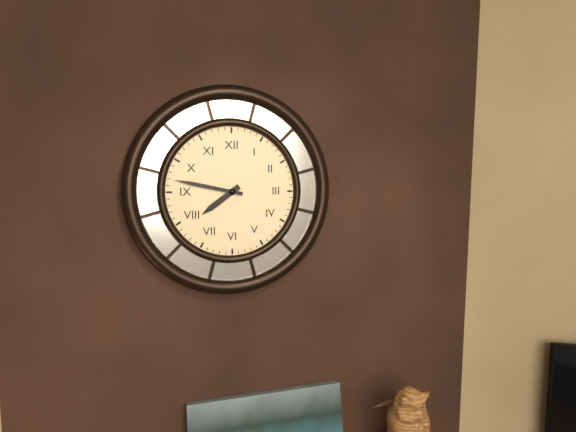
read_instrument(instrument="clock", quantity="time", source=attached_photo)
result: 7:47
